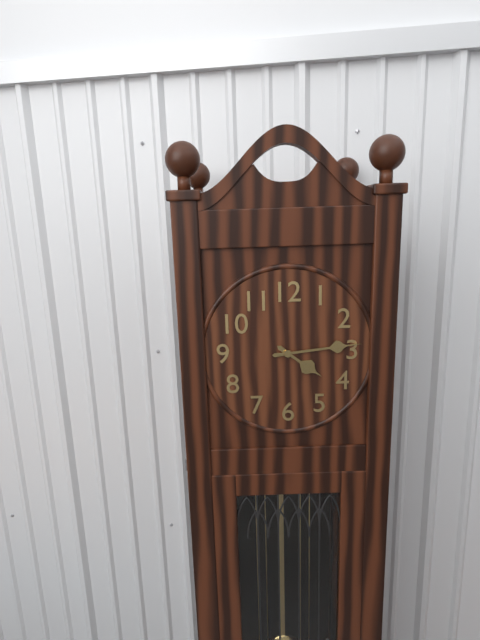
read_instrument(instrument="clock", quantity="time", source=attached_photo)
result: 4:14
